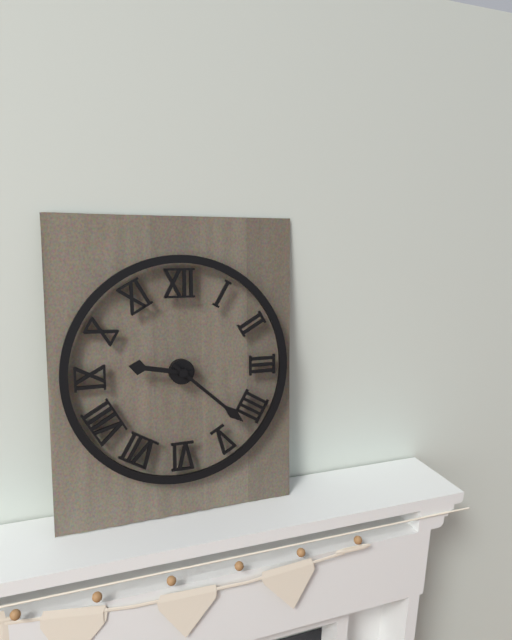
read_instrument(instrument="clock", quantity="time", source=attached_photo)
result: 9:22
